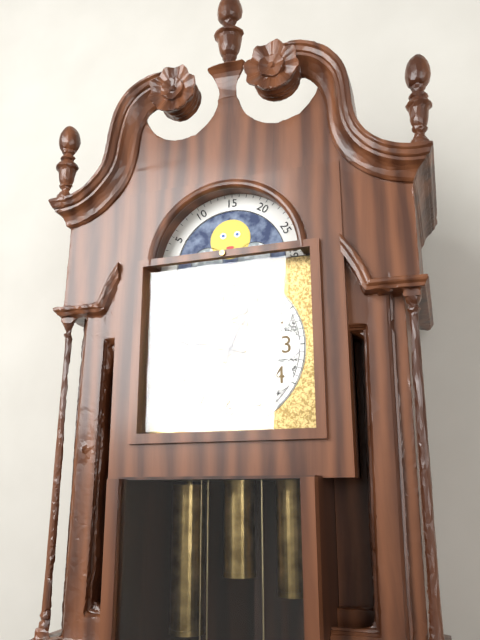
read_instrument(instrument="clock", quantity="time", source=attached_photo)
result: 12:47
